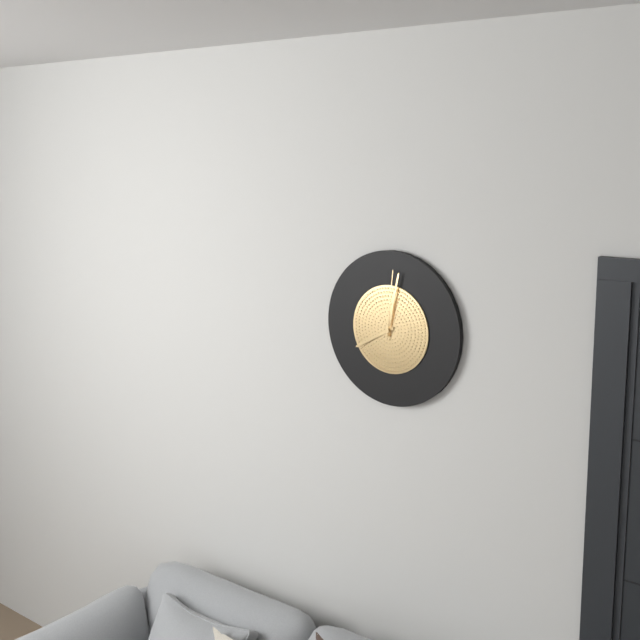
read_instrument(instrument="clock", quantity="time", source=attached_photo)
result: 8:02:01
